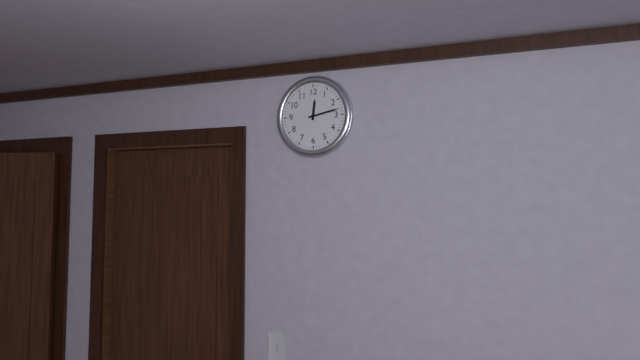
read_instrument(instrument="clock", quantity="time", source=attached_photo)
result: 12:13
